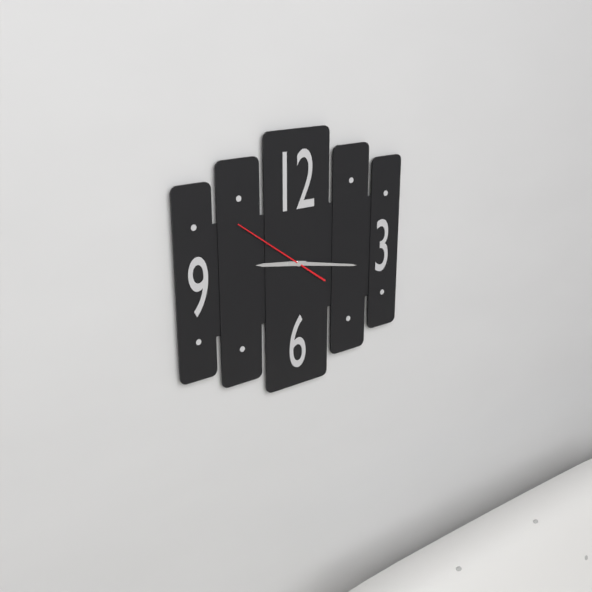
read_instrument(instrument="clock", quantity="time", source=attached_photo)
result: 9:17:51
